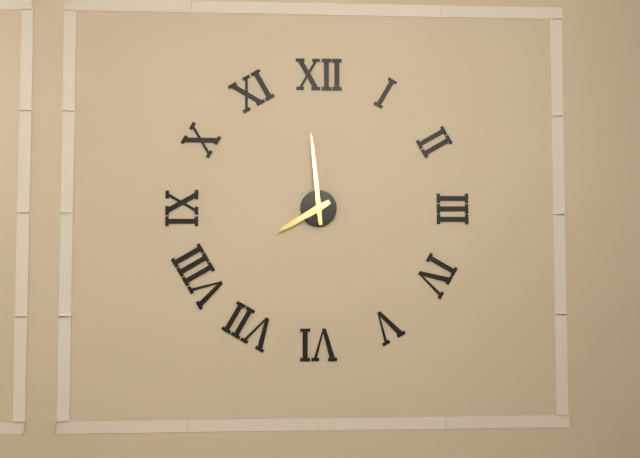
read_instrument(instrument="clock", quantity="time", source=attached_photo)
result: 7:59
